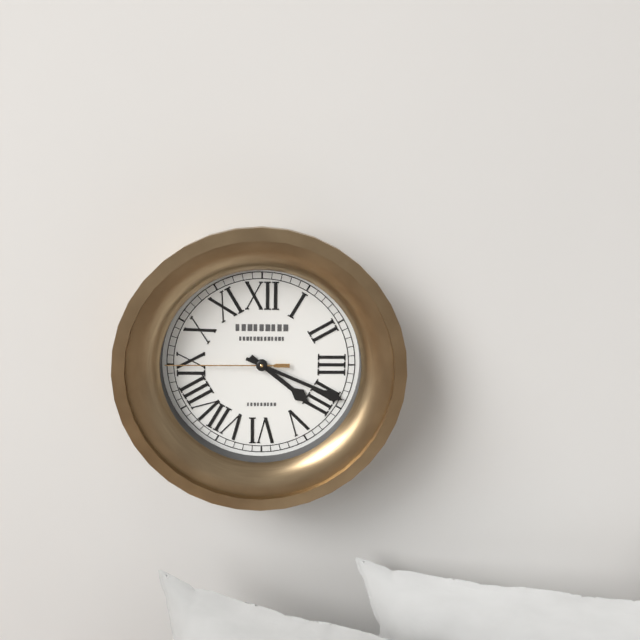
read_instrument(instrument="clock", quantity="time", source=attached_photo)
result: 4:19:45
